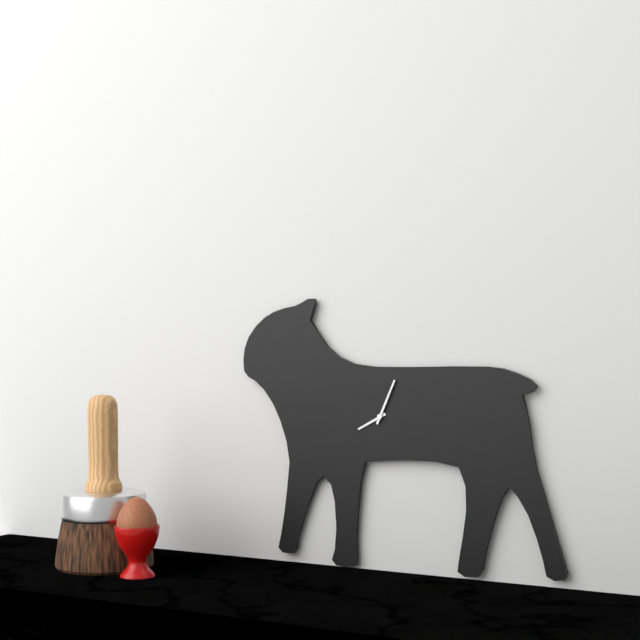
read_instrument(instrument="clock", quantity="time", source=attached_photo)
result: 8:04
